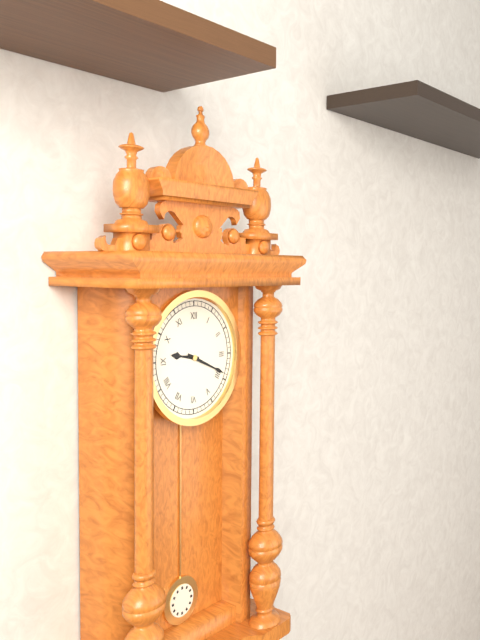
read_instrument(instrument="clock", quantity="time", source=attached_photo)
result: 9:19
